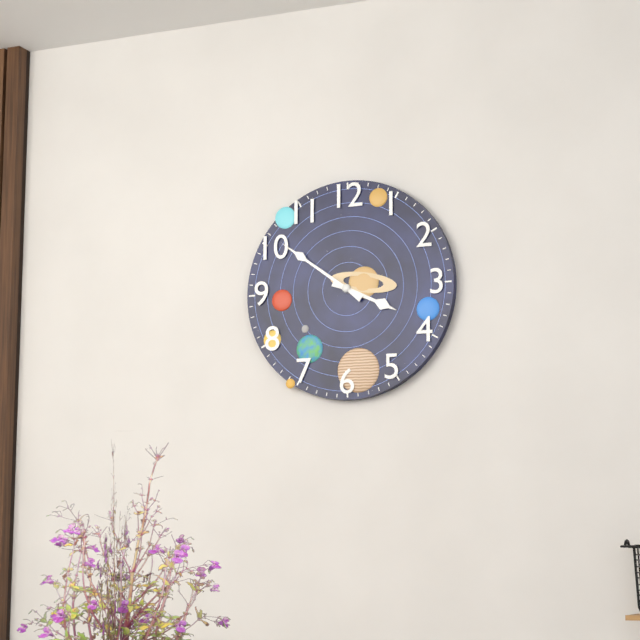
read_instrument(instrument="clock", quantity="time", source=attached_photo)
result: 3:51
